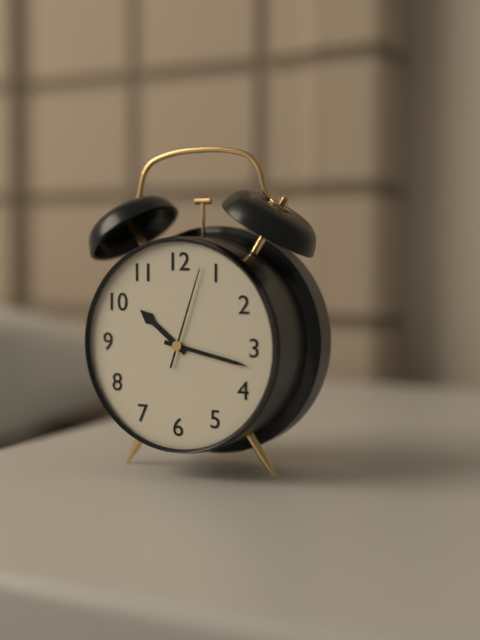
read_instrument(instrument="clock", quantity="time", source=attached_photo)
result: 10:17:03
